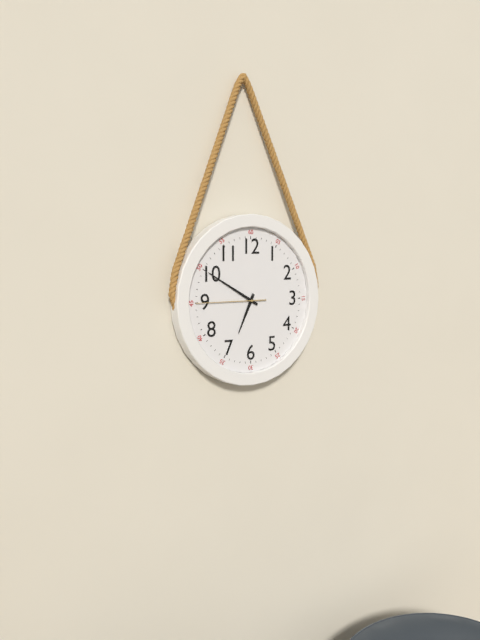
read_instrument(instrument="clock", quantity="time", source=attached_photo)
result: 6:50:45
